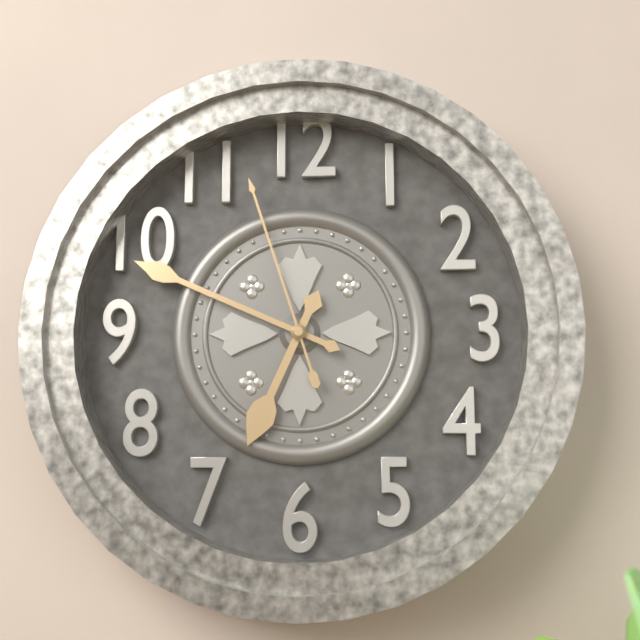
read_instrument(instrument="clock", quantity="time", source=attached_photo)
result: 6:49:57
